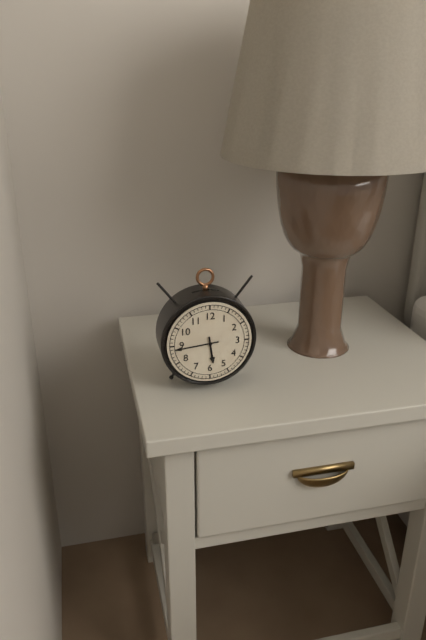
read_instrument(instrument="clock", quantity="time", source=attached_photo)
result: 5:44
